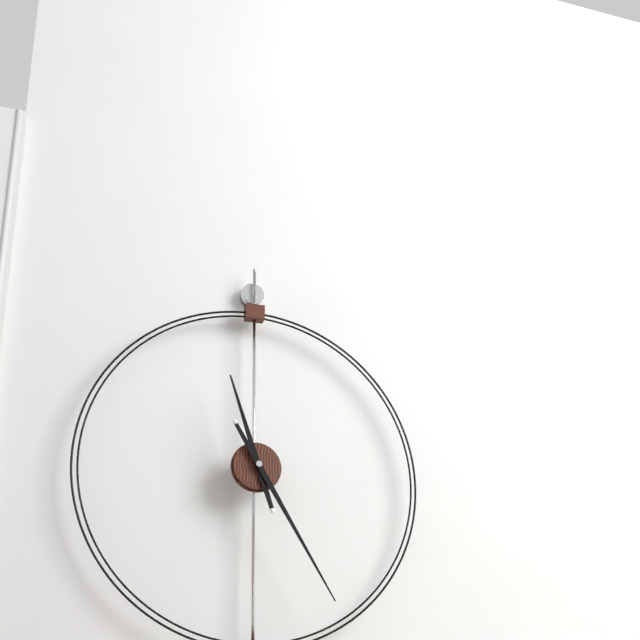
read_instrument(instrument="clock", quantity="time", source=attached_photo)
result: 11:25
